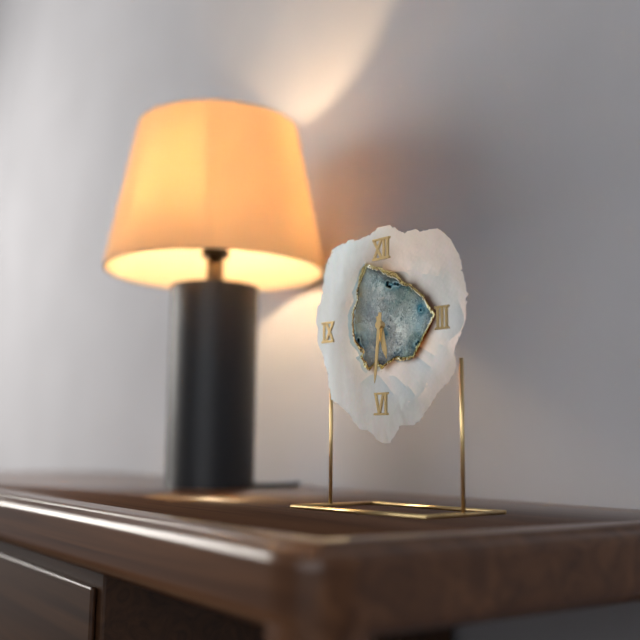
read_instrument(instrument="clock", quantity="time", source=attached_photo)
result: 5:31
